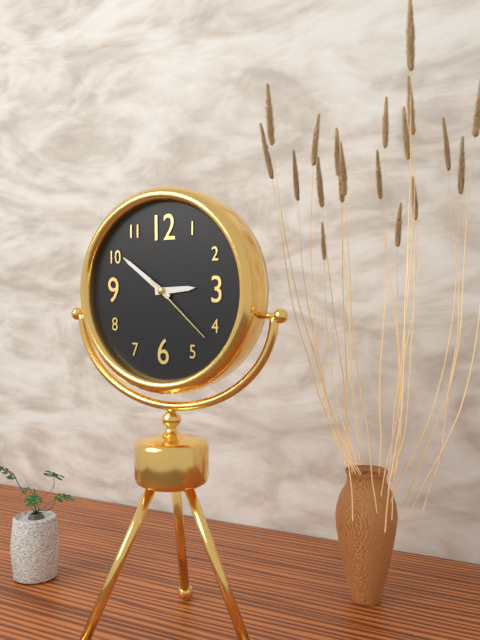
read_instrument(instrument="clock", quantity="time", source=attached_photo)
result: 2:51:22
